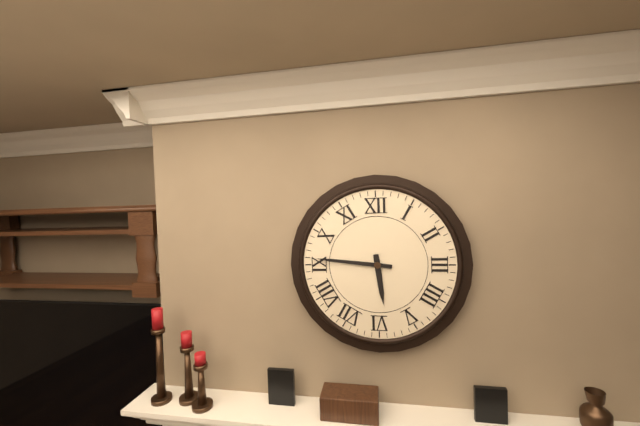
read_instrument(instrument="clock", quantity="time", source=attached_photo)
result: 5:46
